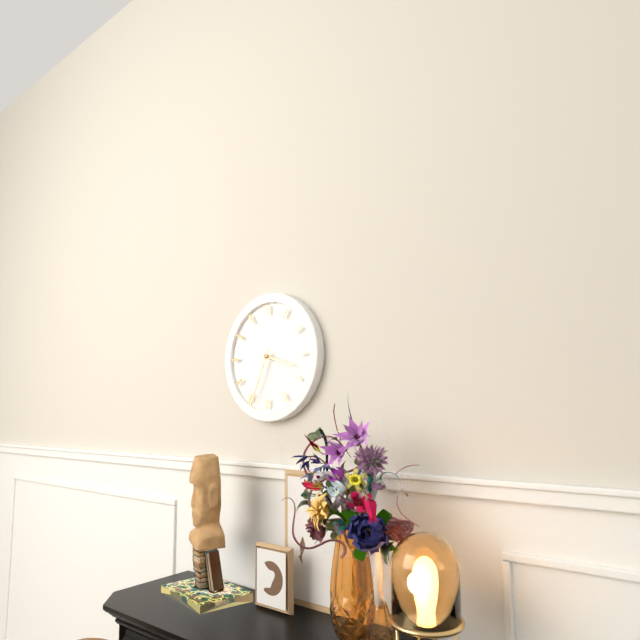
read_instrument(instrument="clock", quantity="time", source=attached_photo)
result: 3:34
